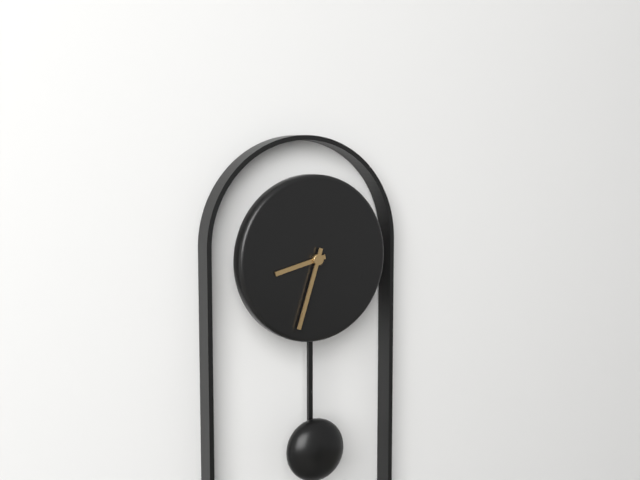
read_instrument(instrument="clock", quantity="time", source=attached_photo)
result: 8:33
